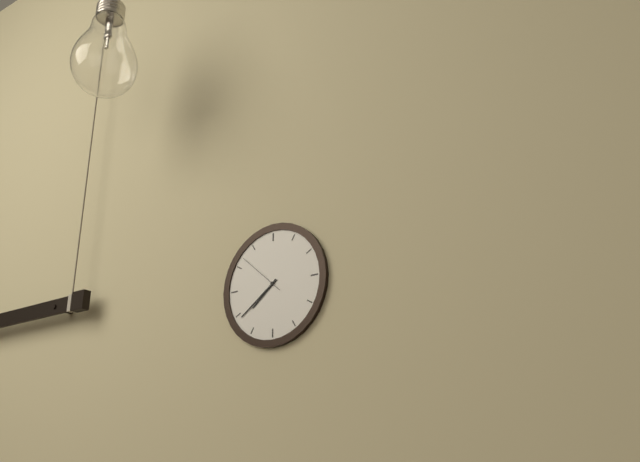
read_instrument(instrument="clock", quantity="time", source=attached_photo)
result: 7:39
